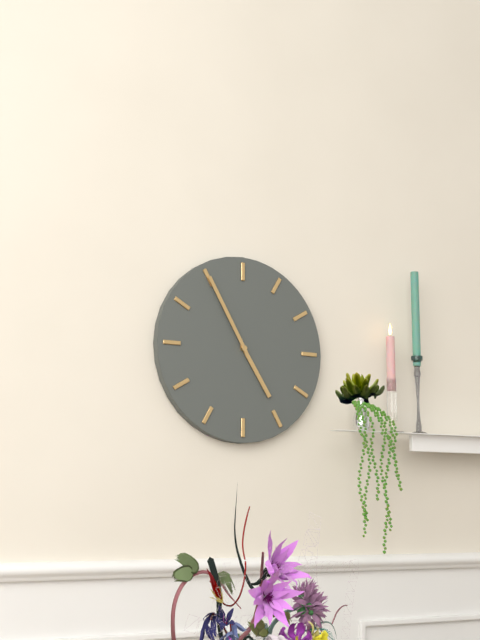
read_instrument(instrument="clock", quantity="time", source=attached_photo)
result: 4:55
